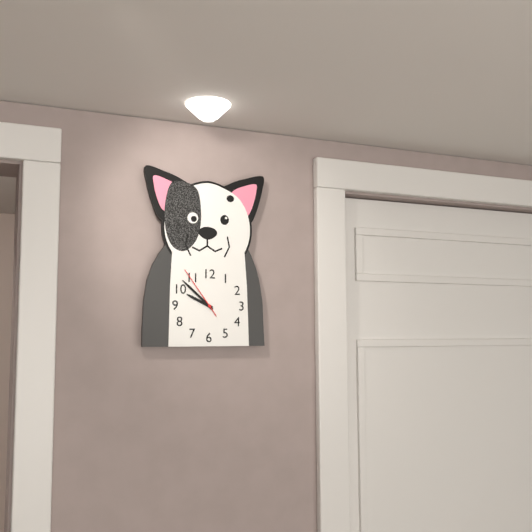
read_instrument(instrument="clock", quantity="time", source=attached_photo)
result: 9:52:54
